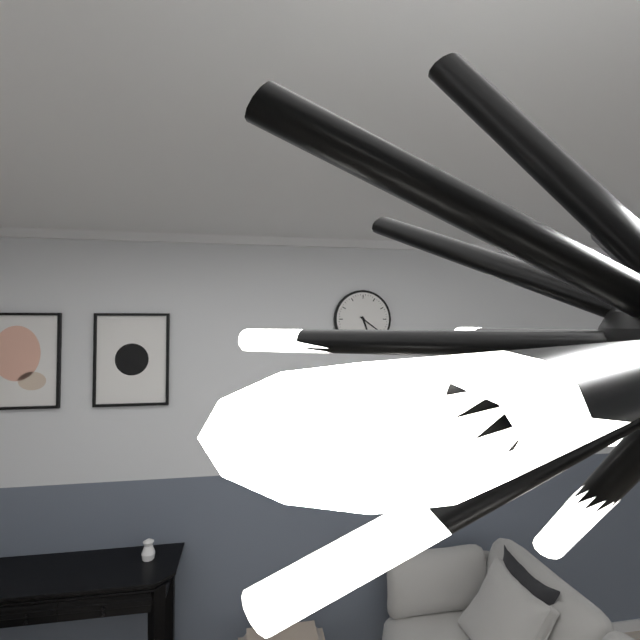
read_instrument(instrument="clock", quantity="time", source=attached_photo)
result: 5:21
